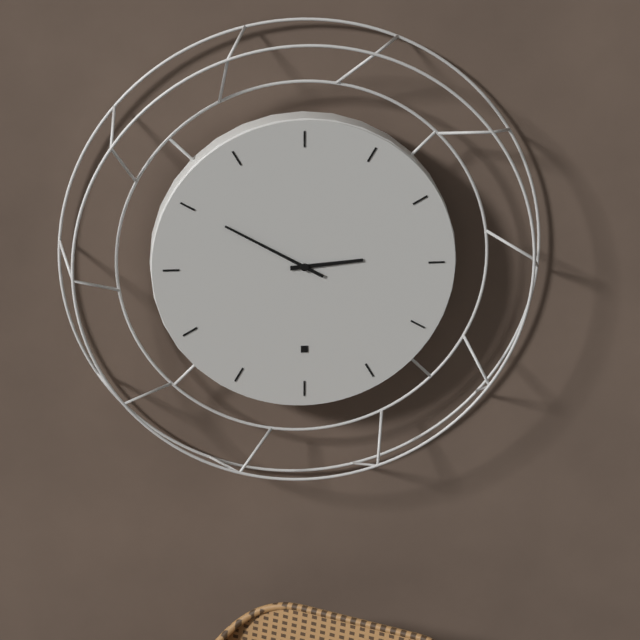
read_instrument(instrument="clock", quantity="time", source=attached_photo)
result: 2:50
